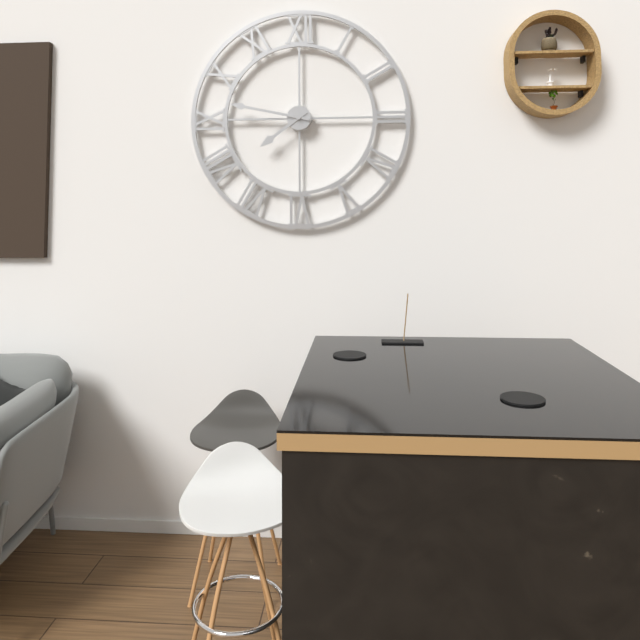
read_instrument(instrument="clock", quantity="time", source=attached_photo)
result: 7:47
